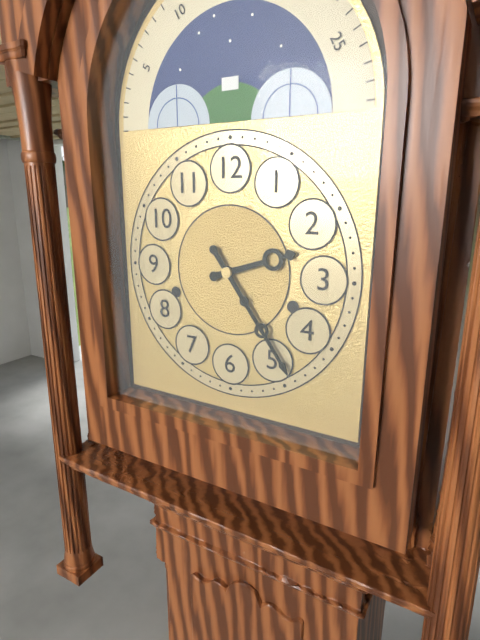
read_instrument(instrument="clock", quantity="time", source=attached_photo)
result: 2:24
